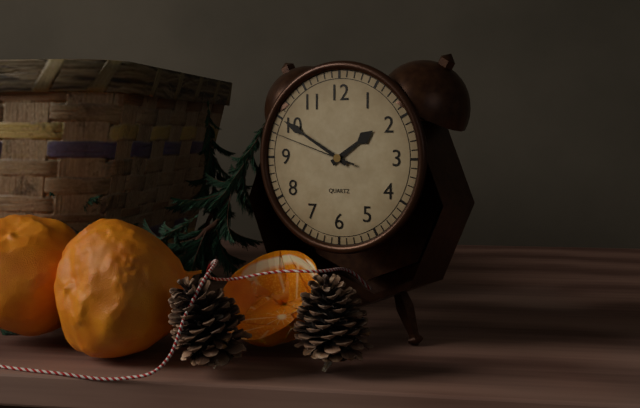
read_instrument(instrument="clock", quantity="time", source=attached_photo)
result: 1:50:48
